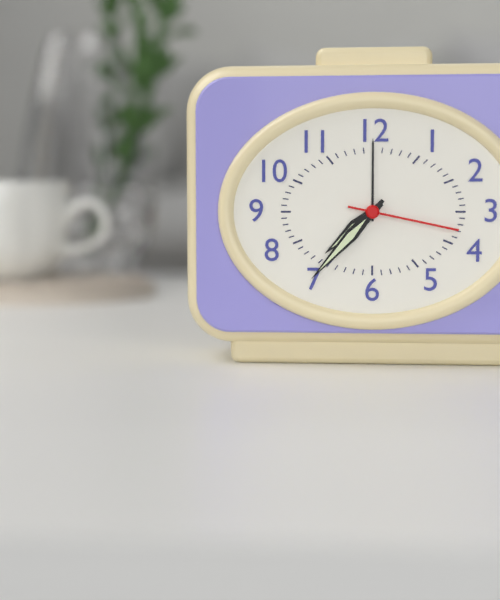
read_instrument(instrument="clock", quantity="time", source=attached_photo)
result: 7:37:17
